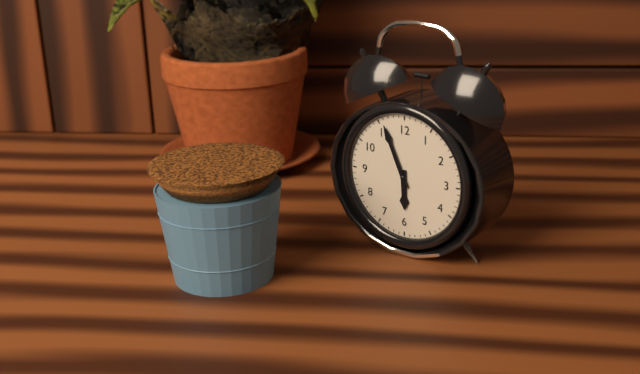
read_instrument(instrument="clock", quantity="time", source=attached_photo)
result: 5:56
